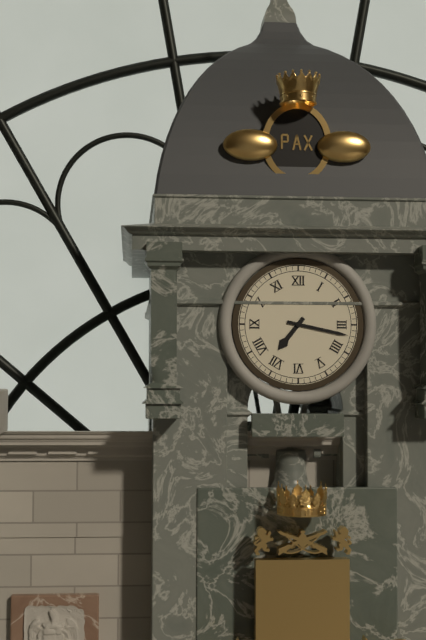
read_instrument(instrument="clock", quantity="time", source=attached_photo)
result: 7:17
